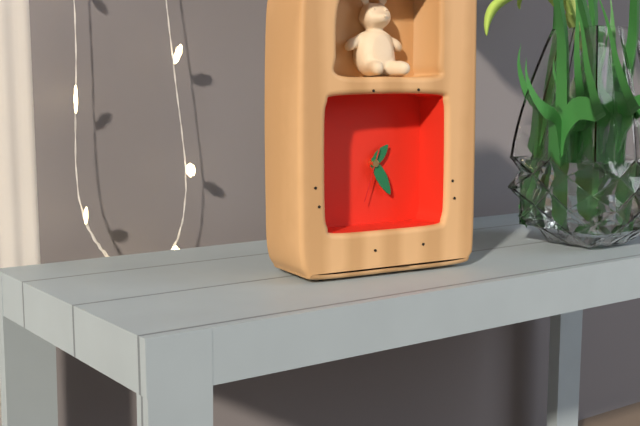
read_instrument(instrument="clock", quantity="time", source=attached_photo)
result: 1:25
